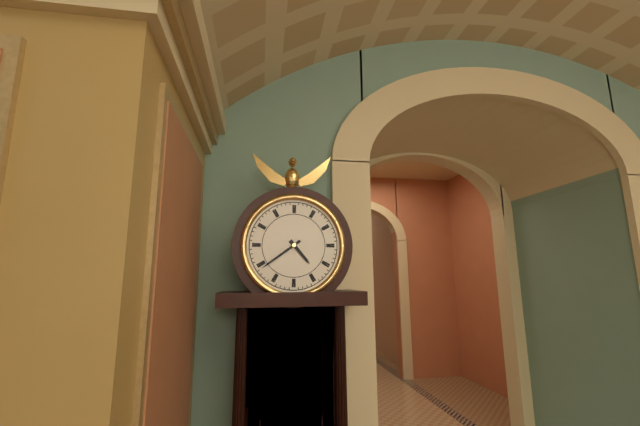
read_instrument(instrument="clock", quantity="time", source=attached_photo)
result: 4:39
